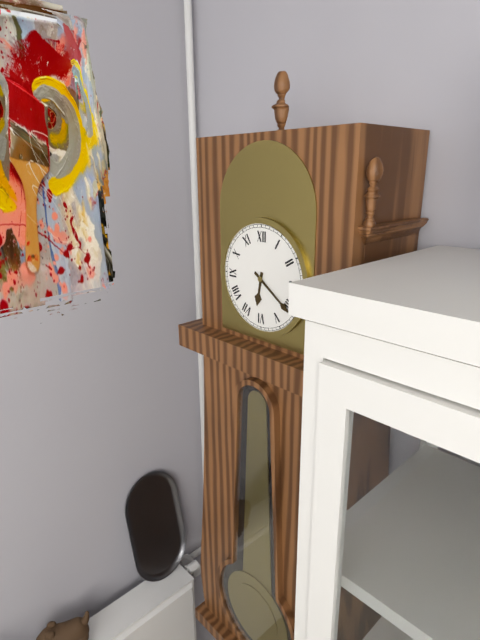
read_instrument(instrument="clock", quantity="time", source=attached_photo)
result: 6:21
